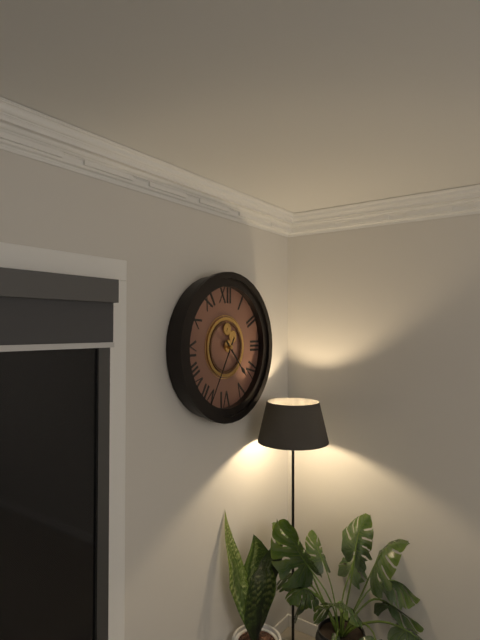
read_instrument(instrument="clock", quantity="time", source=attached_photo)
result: 4:35
